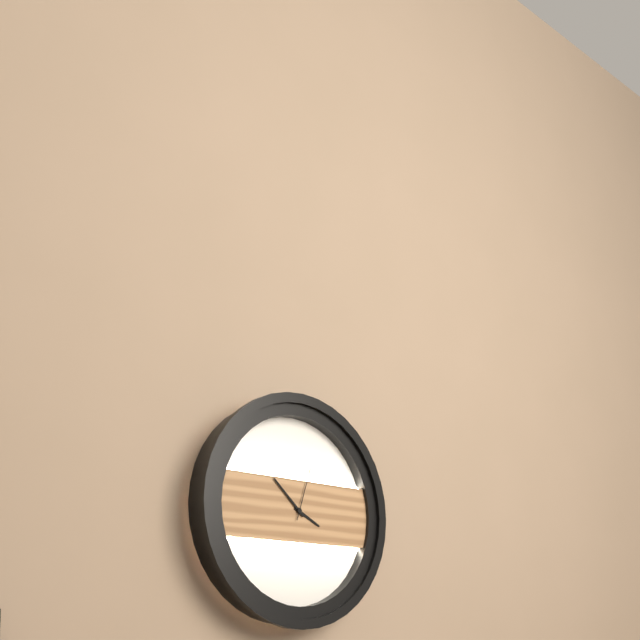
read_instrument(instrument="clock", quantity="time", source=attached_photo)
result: 3:52:03
